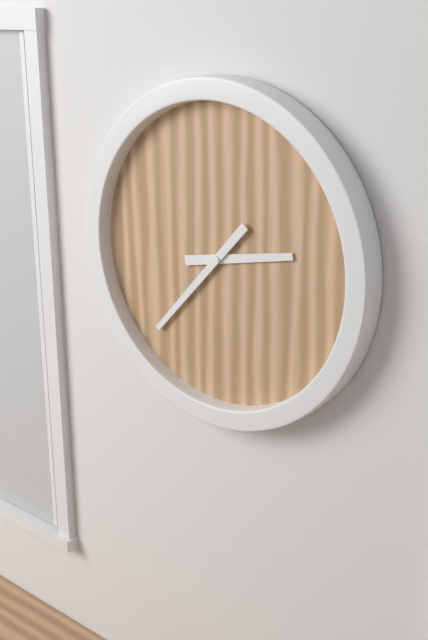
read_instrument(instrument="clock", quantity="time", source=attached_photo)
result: 2:37
